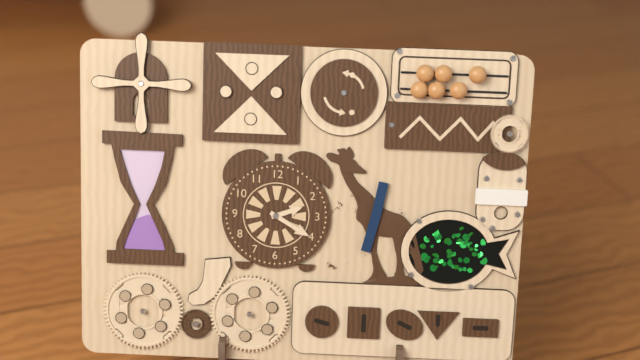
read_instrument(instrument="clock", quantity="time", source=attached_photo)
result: 2:20
